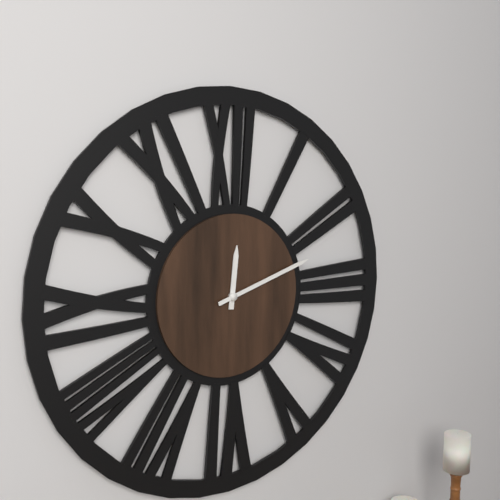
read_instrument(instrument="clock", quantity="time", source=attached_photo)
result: 12:12
